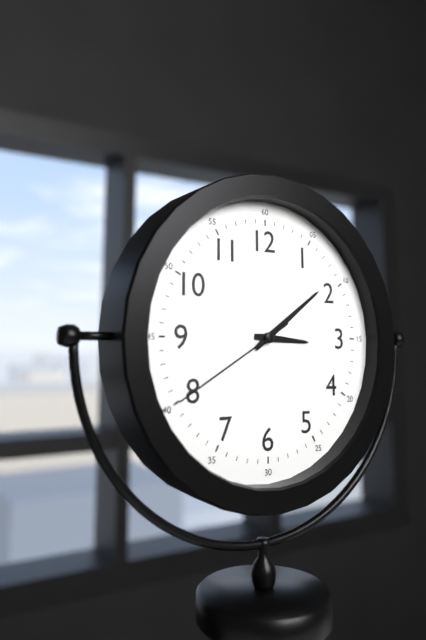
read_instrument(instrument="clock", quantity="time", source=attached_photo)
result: 3:09:40
